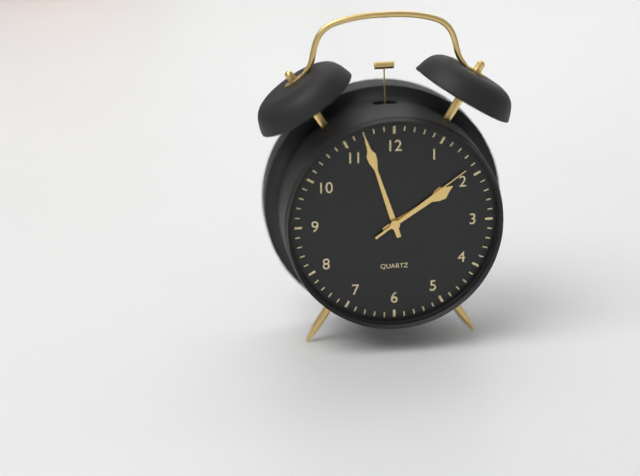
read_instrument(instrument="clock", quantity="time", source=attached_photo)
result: 1:57:09
